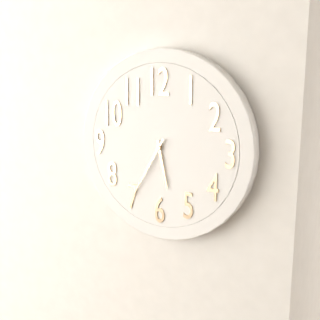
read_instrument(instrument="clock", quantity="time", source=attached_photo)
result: 5:35
